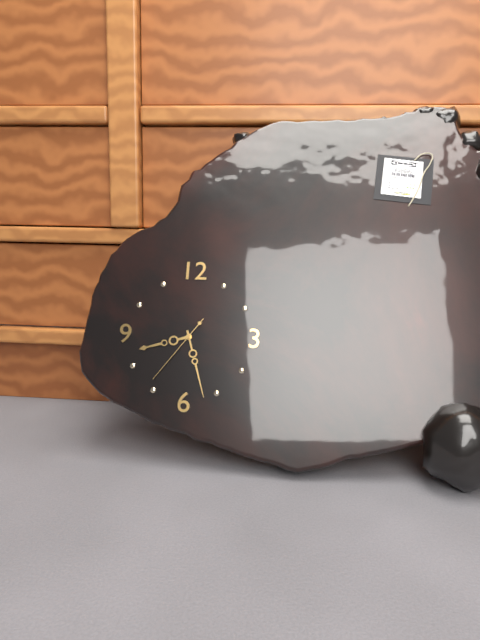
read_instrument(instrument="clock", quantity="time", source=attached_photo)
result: 8:27:36
